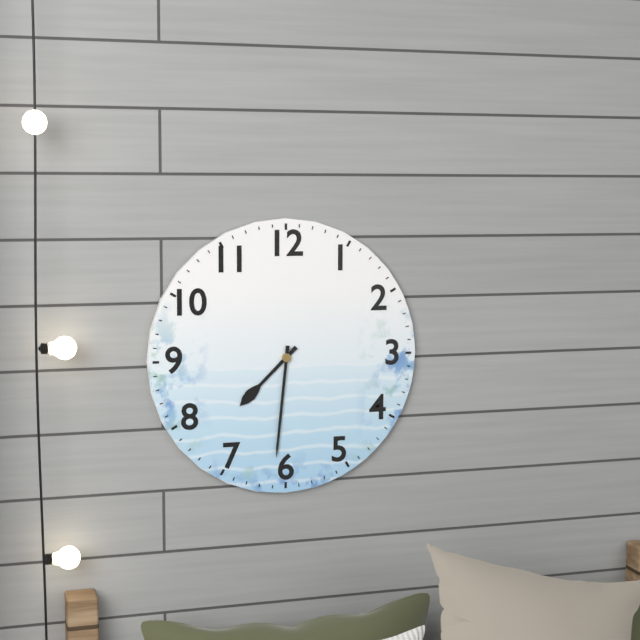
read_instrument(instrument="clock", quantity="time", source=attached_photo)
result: 7:31
